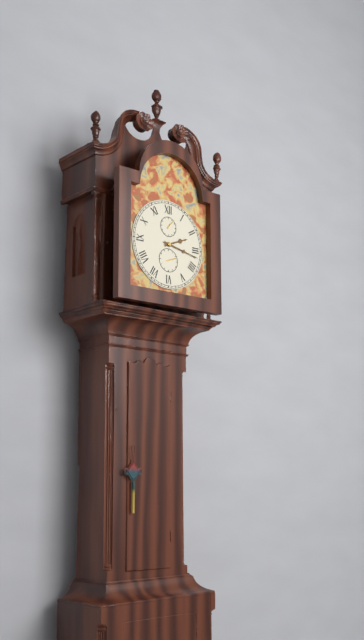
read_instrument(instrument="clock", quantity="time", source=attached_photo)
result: 2:17
